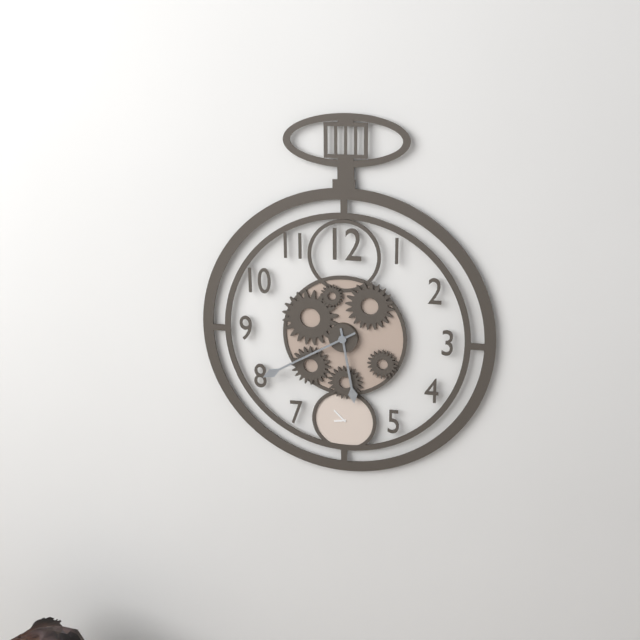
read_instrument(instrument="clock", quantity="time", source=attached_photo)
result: 5:40
